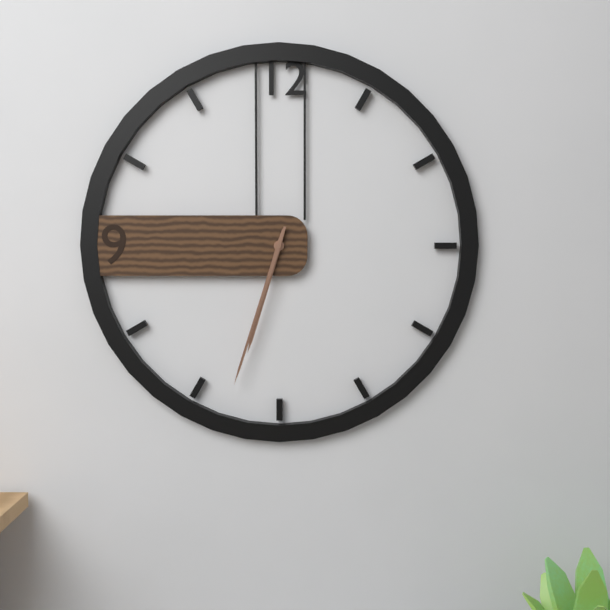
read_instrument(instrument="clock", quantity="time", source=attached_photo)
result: 6:33
